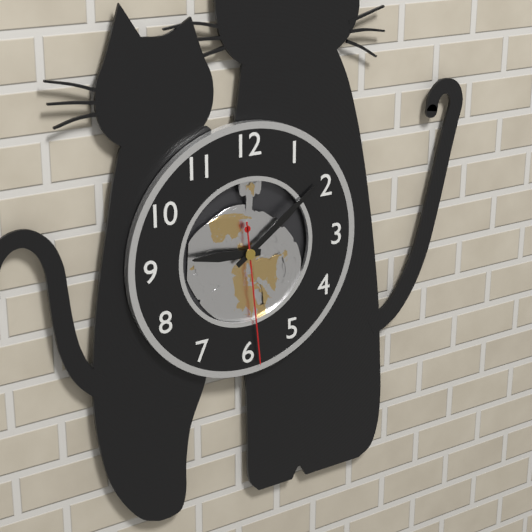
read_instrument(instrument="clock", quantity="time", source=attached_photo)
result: 9:09:29
